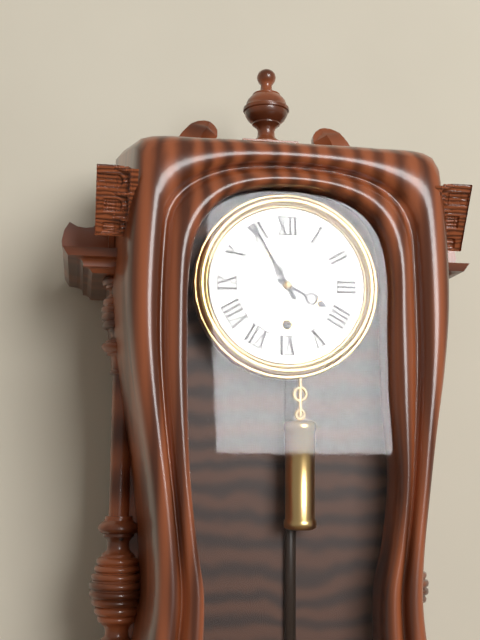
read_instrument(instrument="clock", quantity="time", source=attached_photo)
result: 3:55
